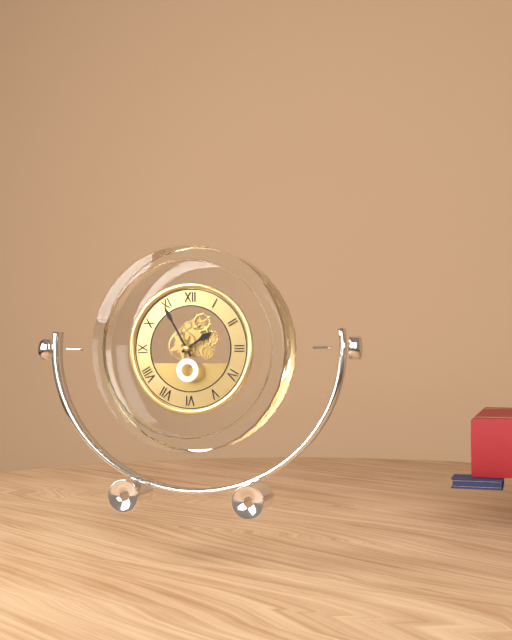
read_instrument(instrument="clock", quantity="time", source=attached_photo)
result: 1:55
